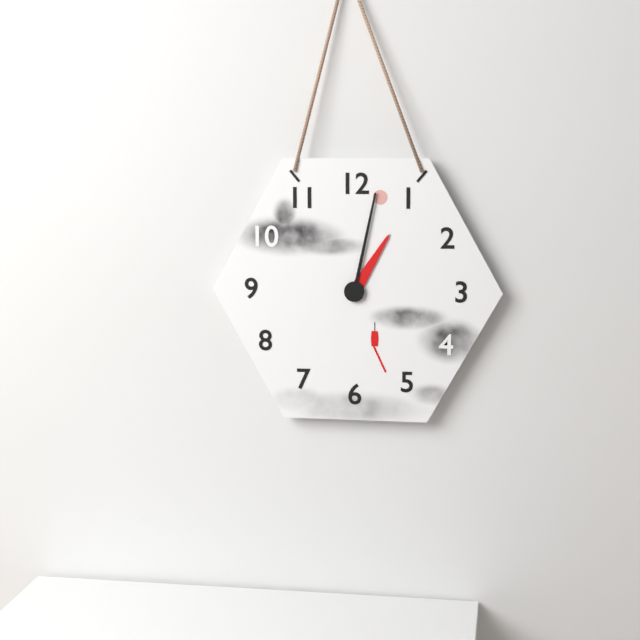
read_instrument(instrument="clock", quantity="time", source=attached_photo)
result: 1:02
